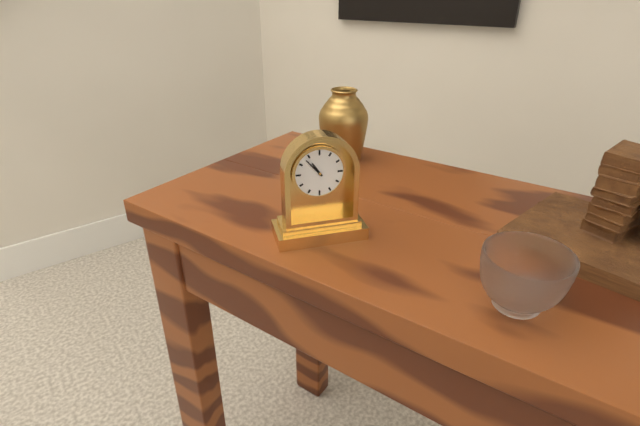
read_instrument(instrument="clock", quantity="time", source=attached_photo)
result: 10:53
